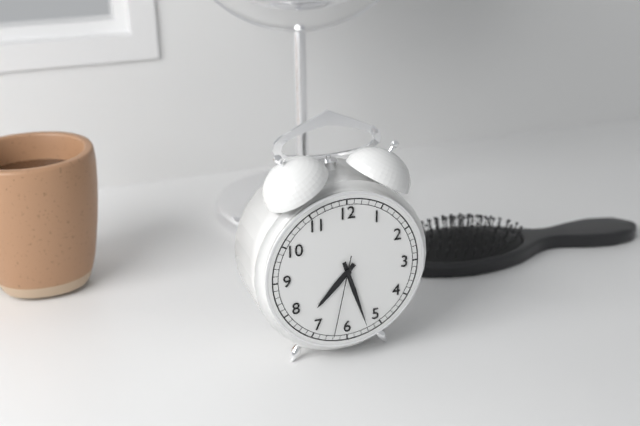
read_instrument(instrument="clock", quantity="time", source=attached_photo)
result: 7:27:32
